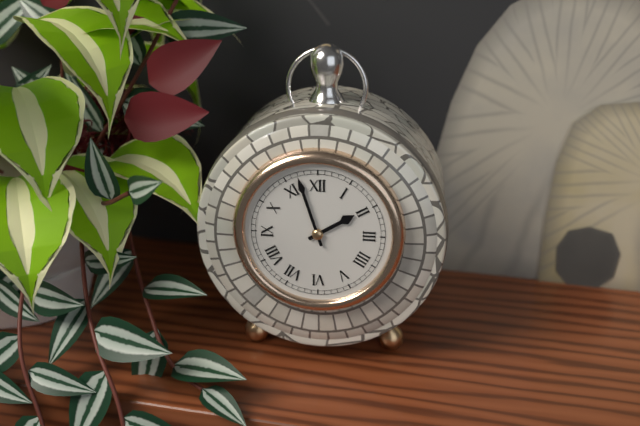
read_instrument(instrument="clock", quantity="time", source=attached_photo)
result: 1:57
